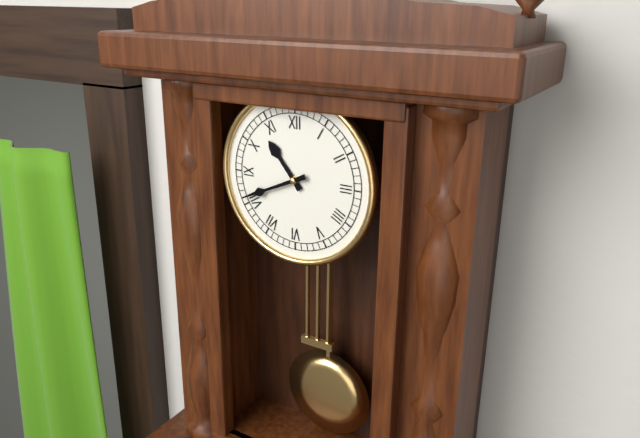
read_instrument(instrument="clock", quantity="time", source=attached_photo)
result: 10:41
